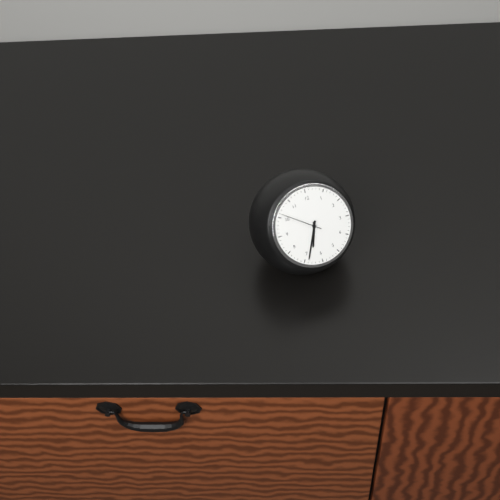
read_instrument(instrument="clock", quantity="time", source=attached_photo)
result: 6:34
